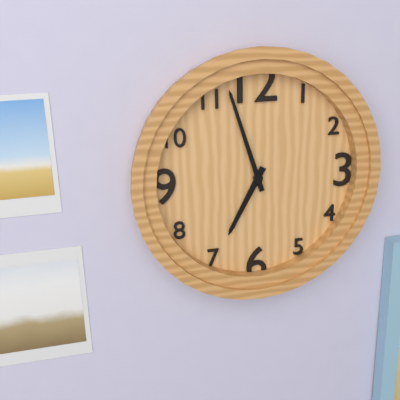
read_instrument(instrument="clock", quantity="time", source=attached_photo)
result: 6:57
